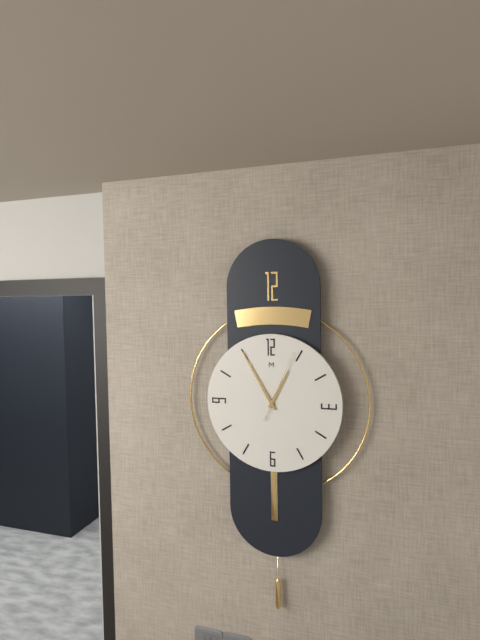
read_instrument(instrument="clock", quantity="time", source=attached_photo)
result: 12:55:04
